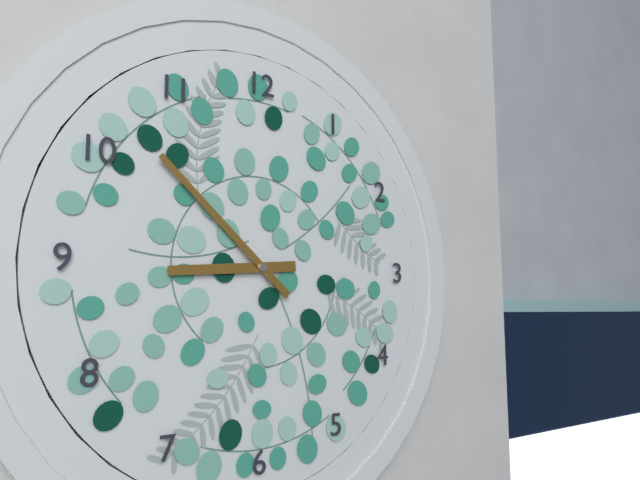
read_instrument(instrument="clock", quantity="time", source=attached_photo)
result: 8:52
